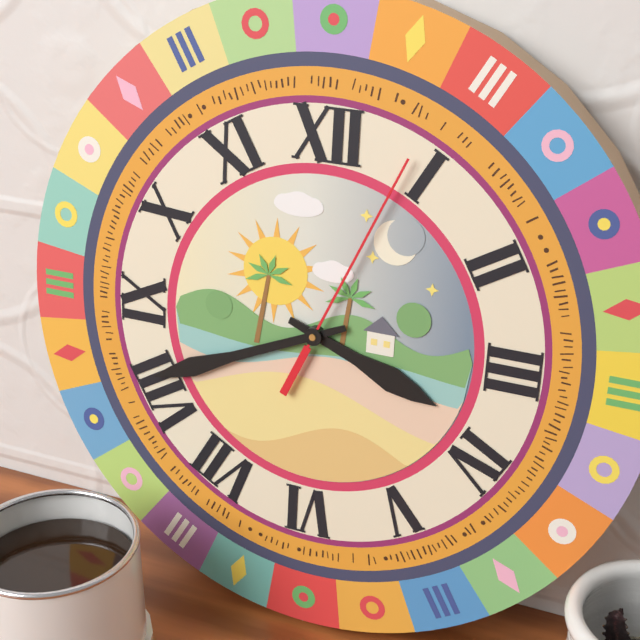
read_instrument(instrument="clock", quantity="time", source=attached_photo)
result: 3:41:04
